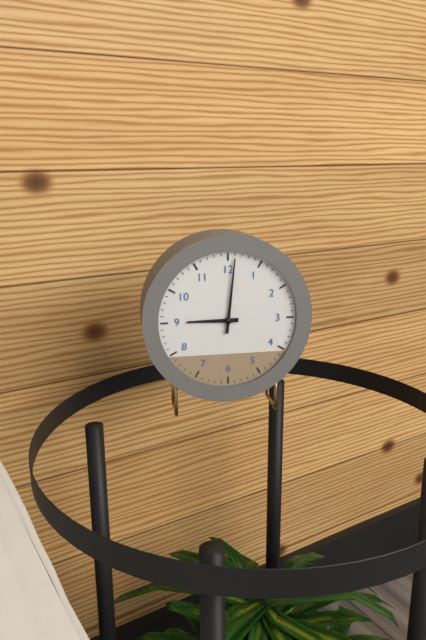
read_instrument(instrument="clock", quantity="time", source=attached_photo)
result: 9:01
